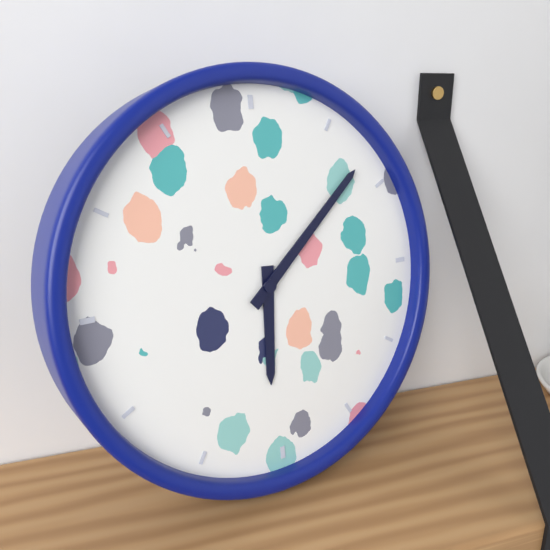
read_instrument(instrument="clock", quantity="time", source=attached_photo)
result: 6:08
